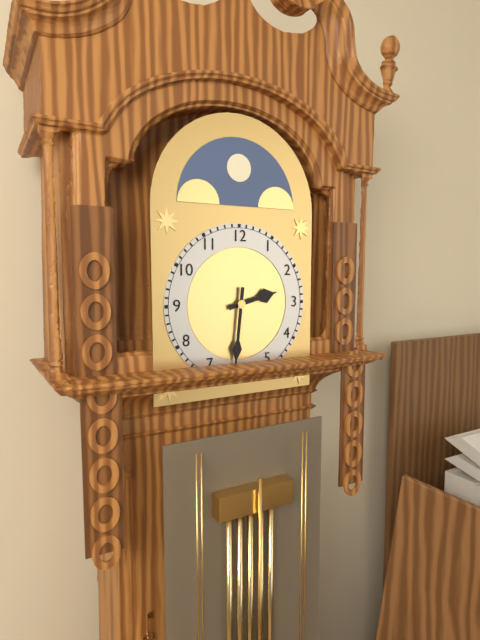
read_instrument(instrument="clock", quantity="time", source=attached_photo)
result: 2:31
